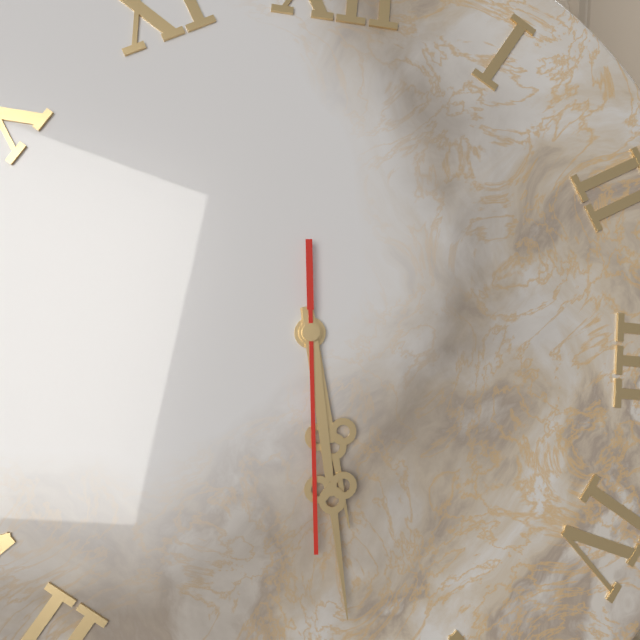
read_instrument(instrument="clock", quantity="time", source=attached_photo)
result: 5:28:29
